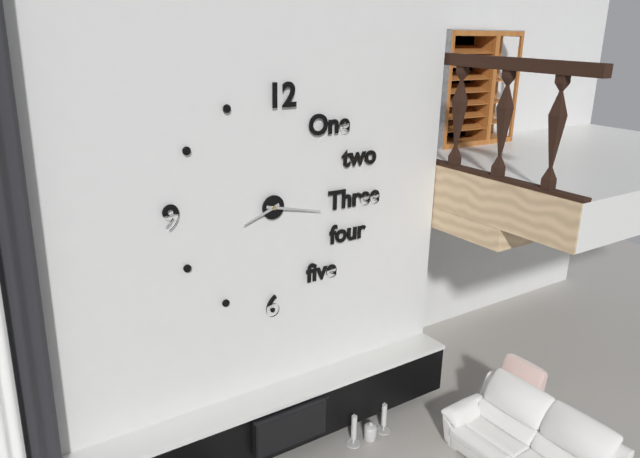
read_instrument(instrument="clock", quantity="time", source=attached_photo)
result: 8:17
